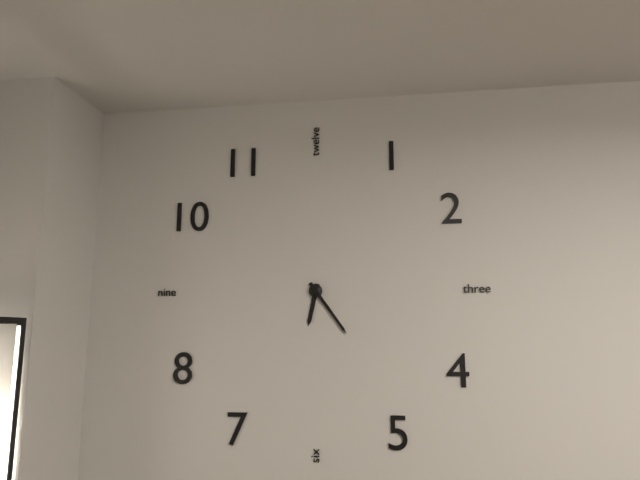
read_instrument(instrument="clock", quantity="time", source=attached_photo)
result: 6:24
